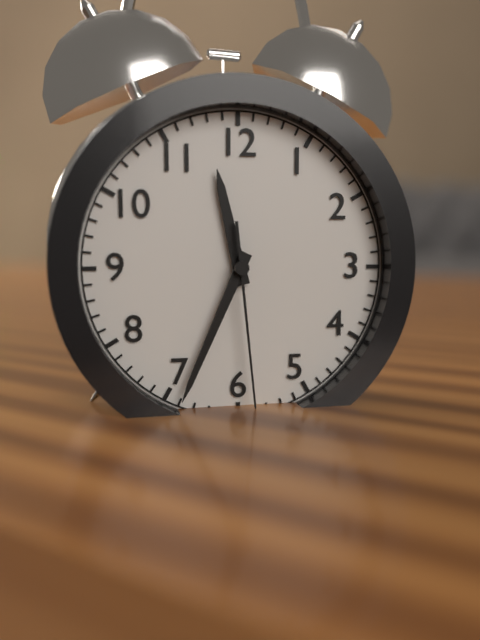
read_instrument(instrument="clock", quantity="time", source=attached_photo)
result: 11:34:29
